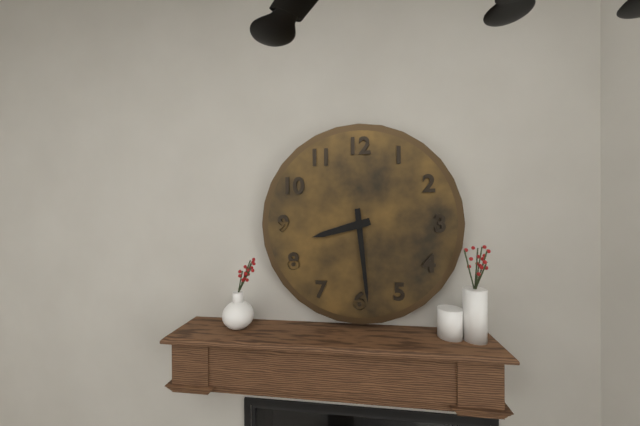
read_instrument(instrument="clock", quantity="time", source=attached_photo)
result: 8:29
